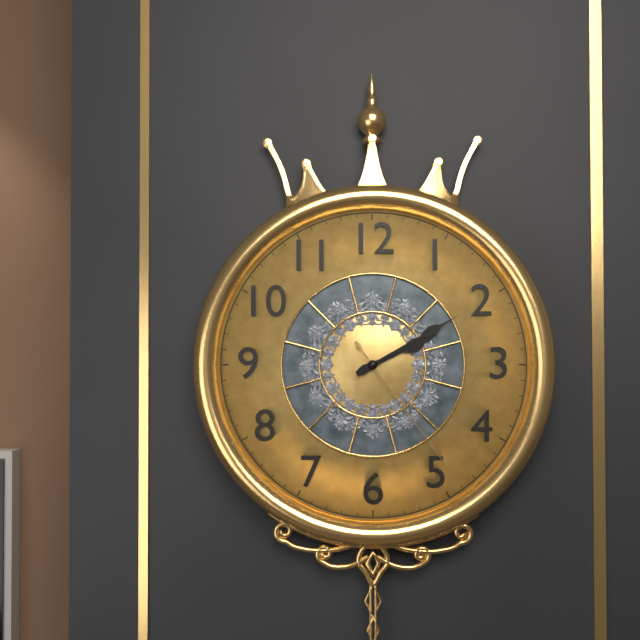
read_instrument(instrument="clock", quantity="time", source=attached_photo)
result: 2:10:24
